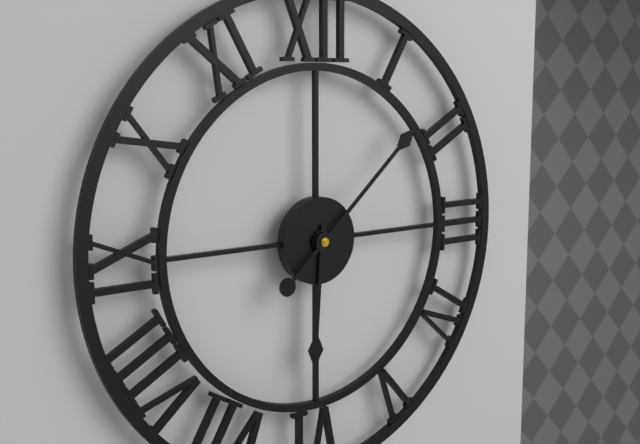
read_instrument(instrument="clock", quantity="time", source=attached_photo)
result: 6:08
